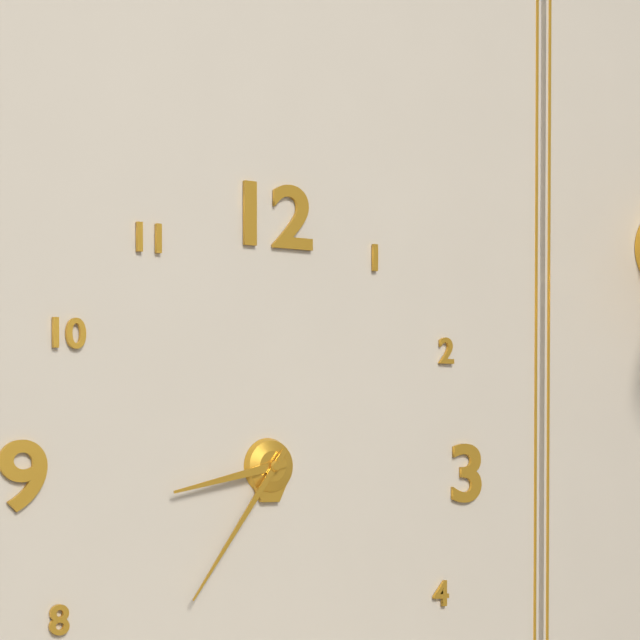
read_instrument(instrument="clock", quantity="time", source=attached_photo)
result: 8:36
